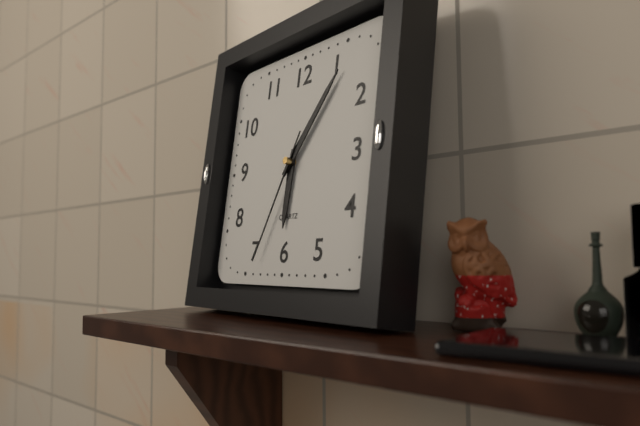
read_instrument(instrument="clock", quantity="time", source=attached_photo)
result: 6:06:34
